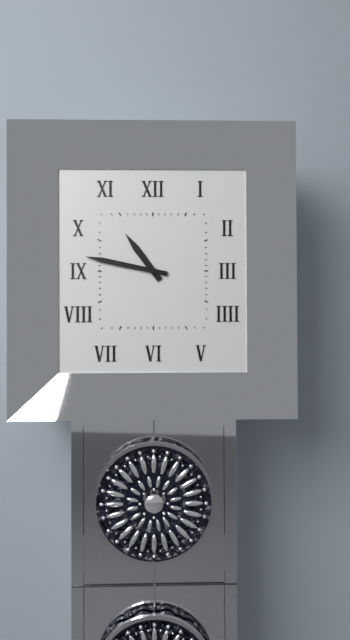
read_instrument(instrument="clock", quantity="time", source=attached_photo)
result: 10:47
